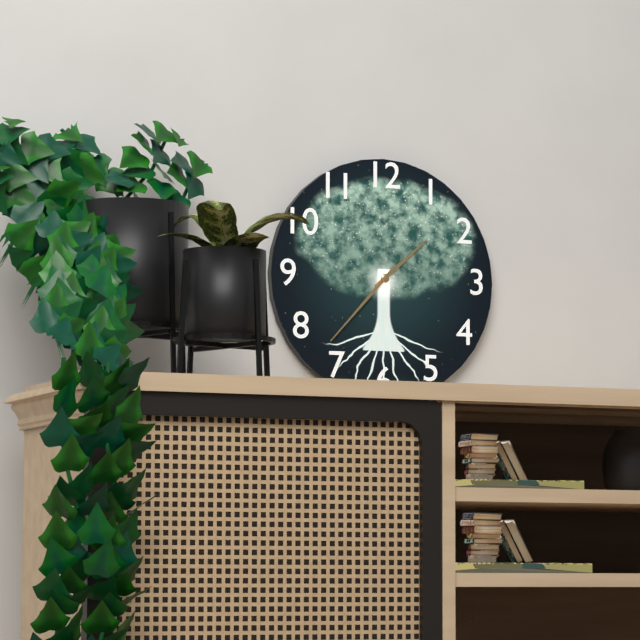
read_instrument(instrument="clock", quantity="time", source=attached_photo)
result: 1:37
